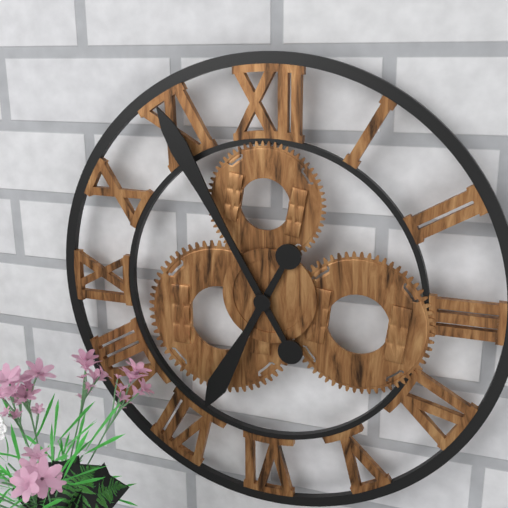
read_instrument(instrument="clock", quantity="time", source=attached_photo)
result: 6:55
